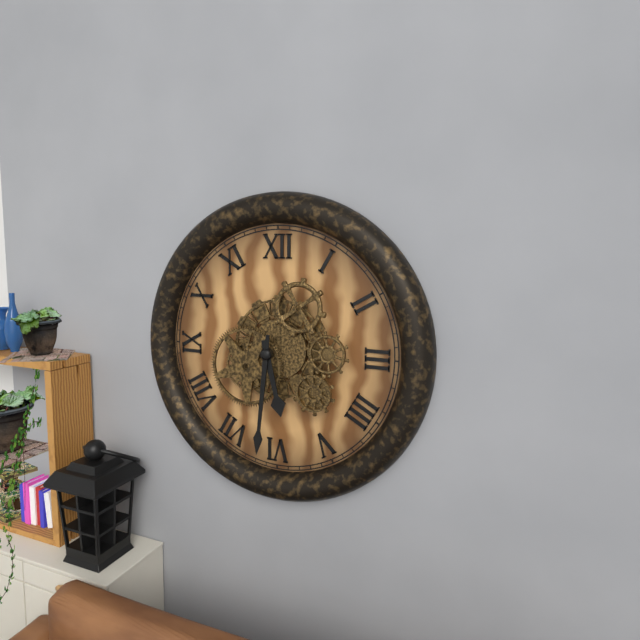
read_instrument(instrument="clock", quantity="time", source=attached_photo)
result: 5:31
